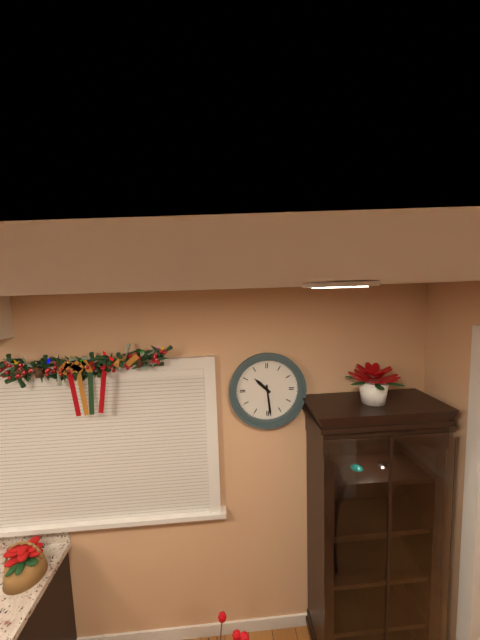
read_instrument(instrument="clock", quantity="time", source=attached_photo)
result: 10:29
